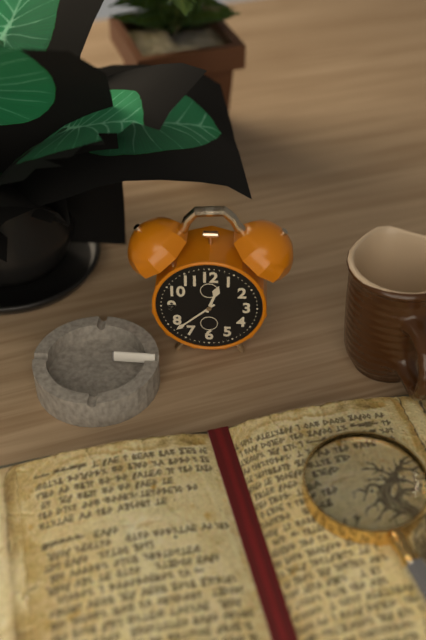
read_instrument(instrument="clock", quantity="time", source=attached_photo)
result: 12:38
